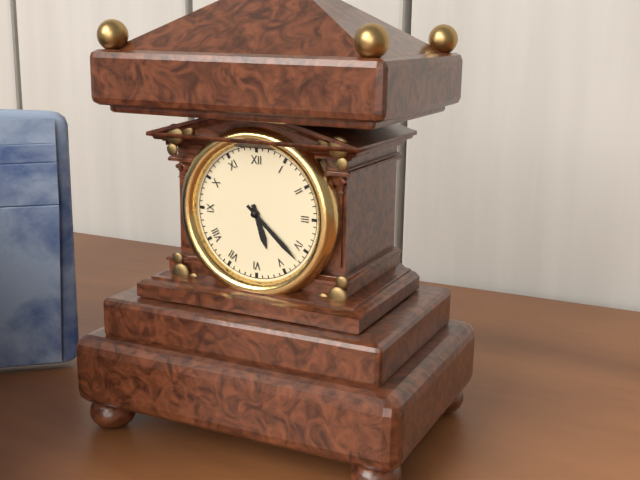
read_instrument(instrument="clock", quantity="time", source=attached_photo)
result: 5:22
